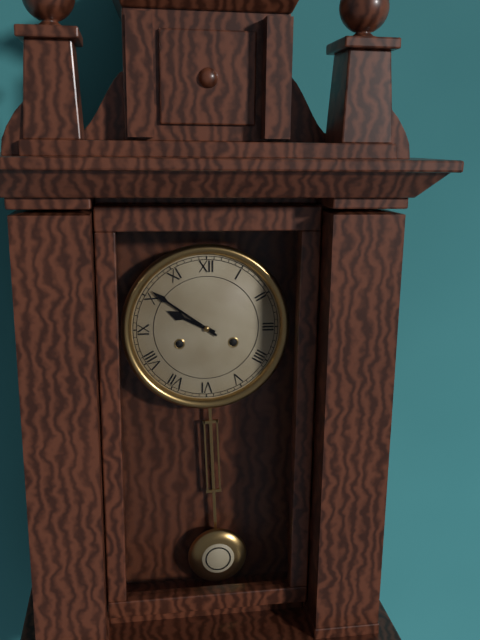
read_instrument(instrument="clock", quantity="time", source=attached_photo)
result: 9:51
